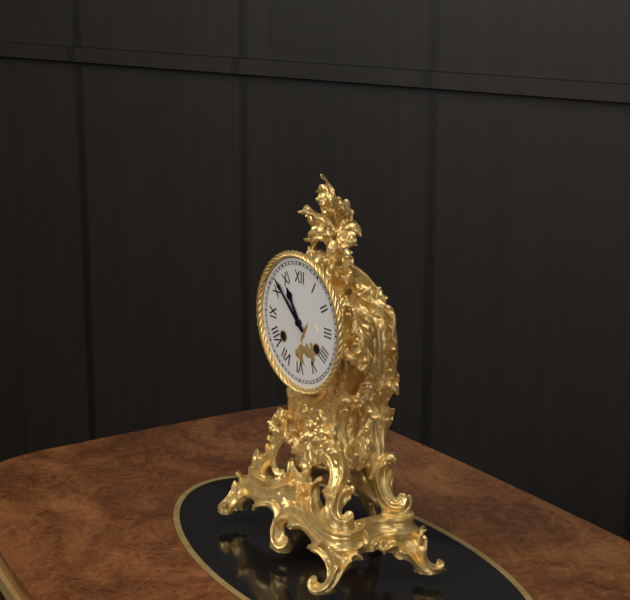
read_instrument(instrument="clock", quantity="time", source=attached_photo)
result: 10:52
